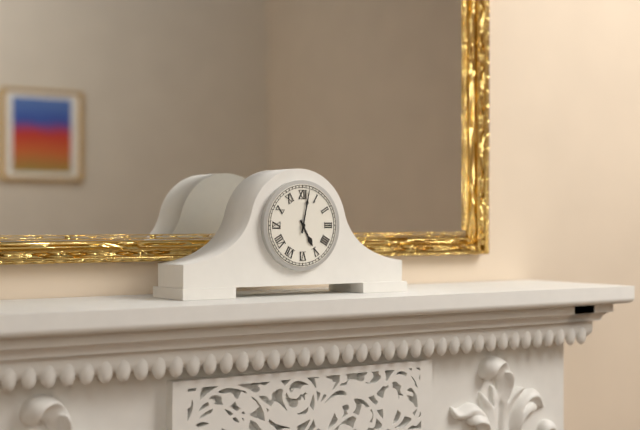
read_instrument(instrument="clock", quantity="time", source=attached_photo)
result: 5:02
